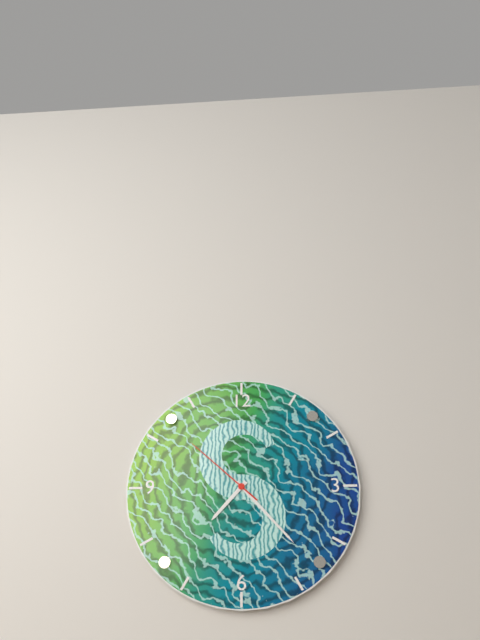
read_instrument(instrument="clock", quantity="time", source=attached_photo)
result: 7:23:52
